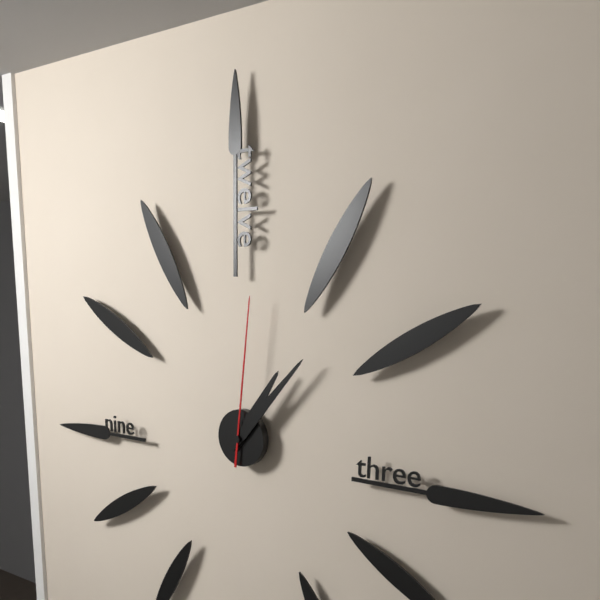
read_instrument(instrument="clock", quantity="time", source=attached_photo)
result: 1:07:01
